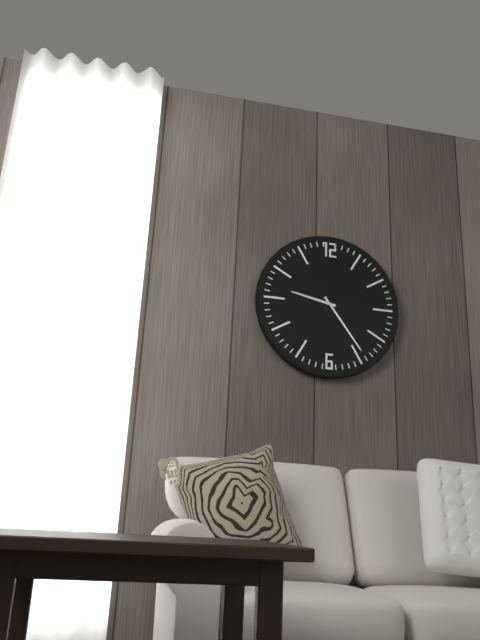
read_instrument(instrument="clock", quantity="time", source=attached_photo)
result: 9:24
